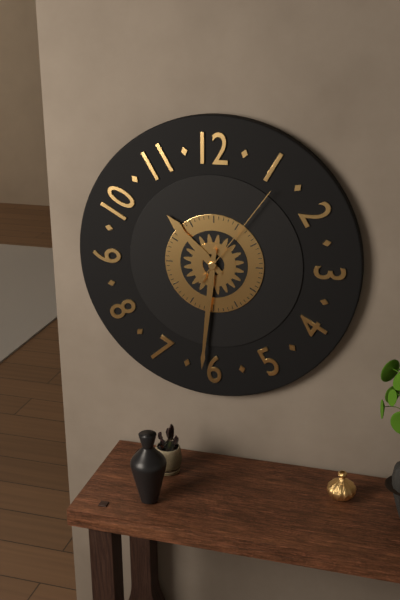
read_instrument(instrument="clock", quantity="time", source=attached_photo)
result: 10:31:06
